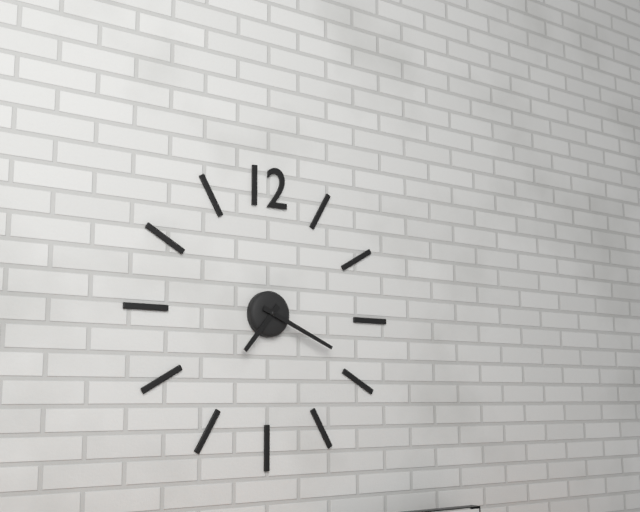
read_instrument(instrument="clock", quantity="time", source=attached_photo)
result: 7:19
